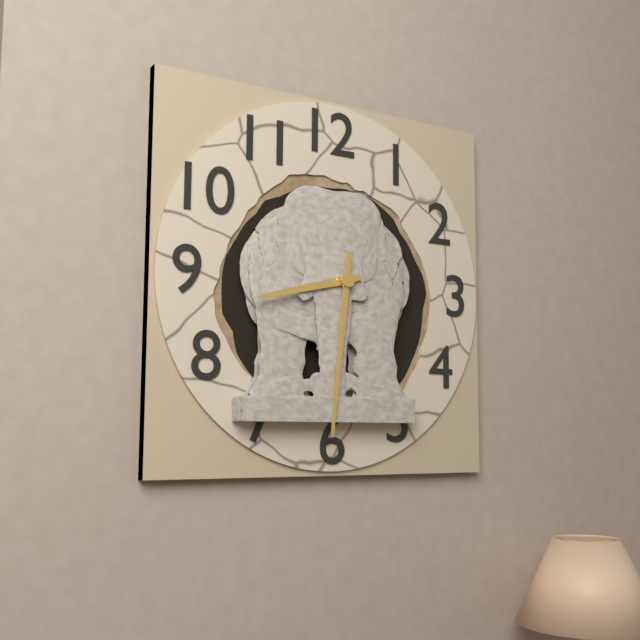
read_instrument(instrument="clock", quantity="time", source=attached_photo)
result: 8:31
